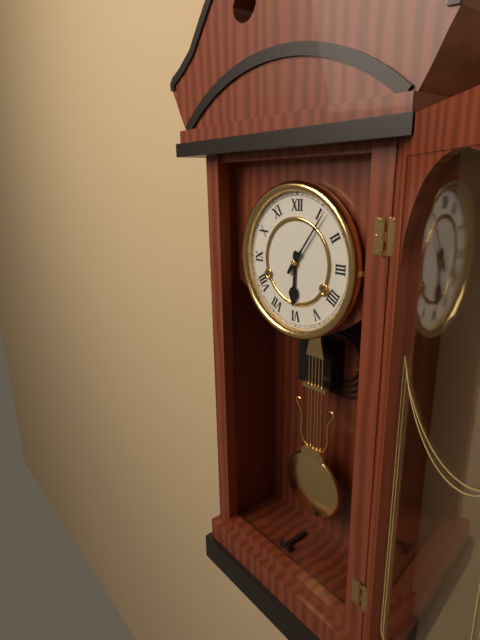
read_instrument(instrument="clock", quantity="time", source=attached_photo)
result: 6:06
